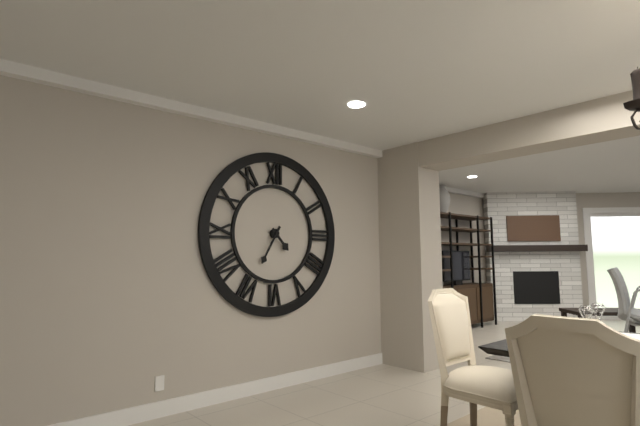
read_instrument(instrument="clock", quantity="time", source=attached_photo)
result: 4:35
